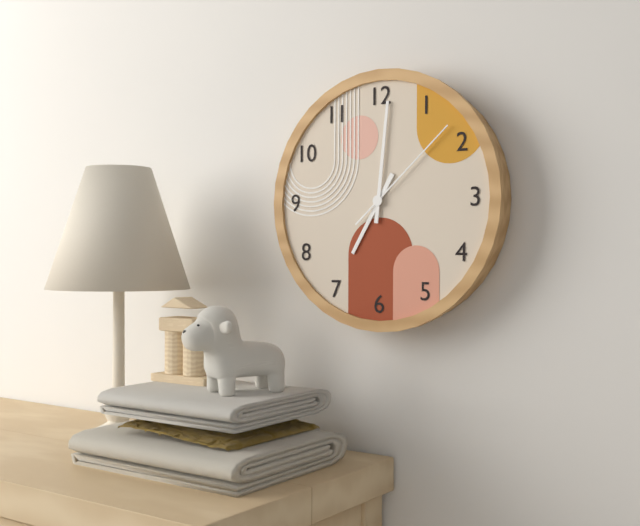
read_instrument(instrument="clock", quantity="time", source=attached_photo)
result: 7:01:08
